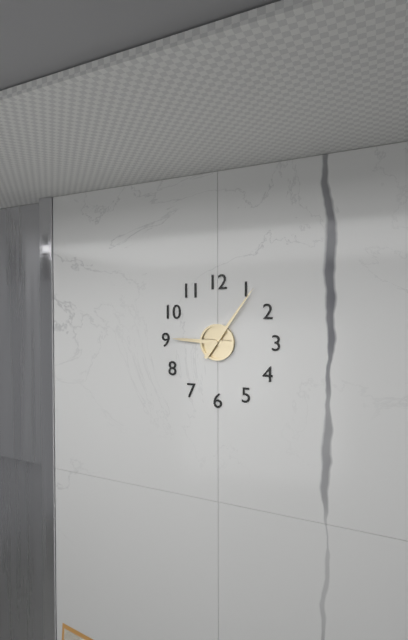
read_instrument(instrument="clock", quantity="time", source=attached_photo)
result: 9:06
